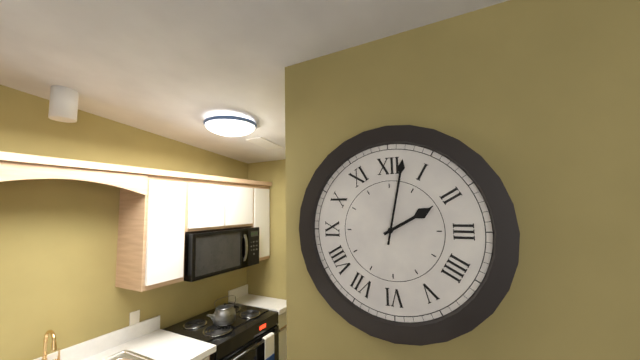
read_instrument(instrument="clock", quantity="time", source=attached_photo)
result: 2:02
